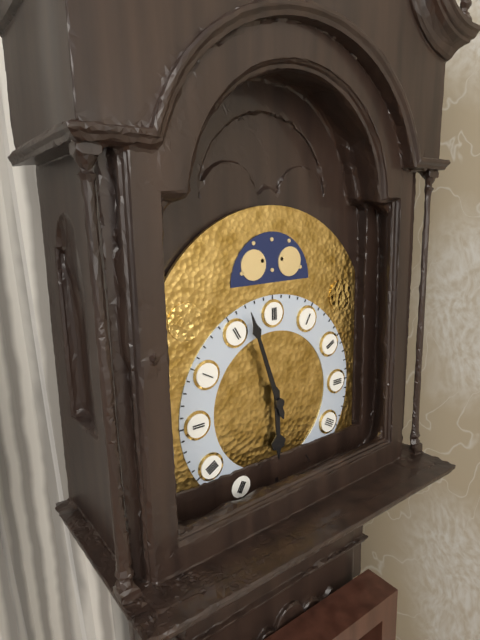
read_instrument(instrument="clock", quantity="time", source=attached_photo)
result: 5:57
